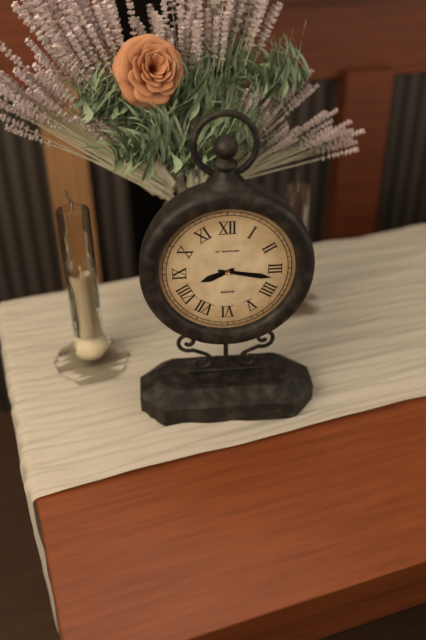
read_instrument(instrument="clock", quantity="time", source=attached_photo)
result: 8:17
